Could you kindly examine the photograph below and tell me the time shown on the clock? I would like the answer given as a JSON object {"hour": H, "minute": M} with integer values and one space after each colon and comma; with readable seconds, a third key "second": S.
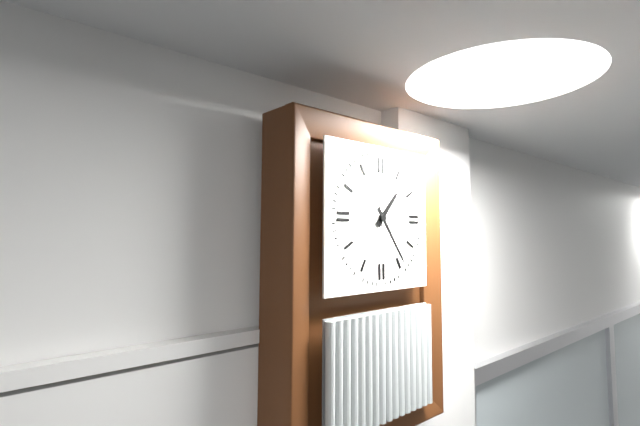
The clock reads {"hour": 1, "minute": 24}
